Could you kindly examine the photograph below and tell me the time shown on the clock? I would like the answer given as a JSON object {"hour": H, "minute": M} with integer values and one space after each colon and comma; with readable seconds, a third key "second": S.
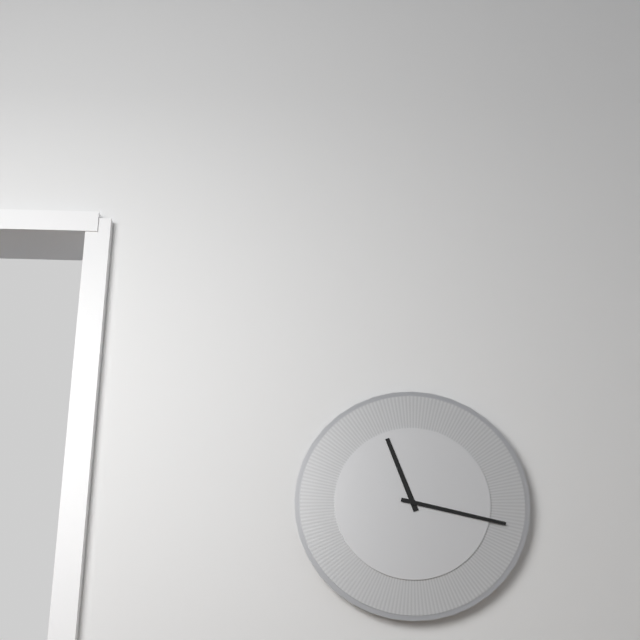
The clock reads {"hour": 11, "minute": 17}
